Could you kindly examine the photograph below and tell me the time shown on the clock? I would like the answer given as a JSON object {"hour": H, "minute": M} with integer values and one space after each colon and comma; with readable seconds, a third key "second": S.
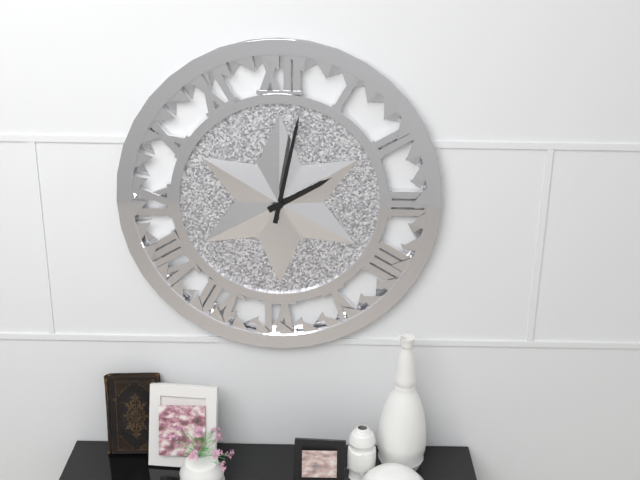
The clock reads {"hour": 2, "minute": 2}
